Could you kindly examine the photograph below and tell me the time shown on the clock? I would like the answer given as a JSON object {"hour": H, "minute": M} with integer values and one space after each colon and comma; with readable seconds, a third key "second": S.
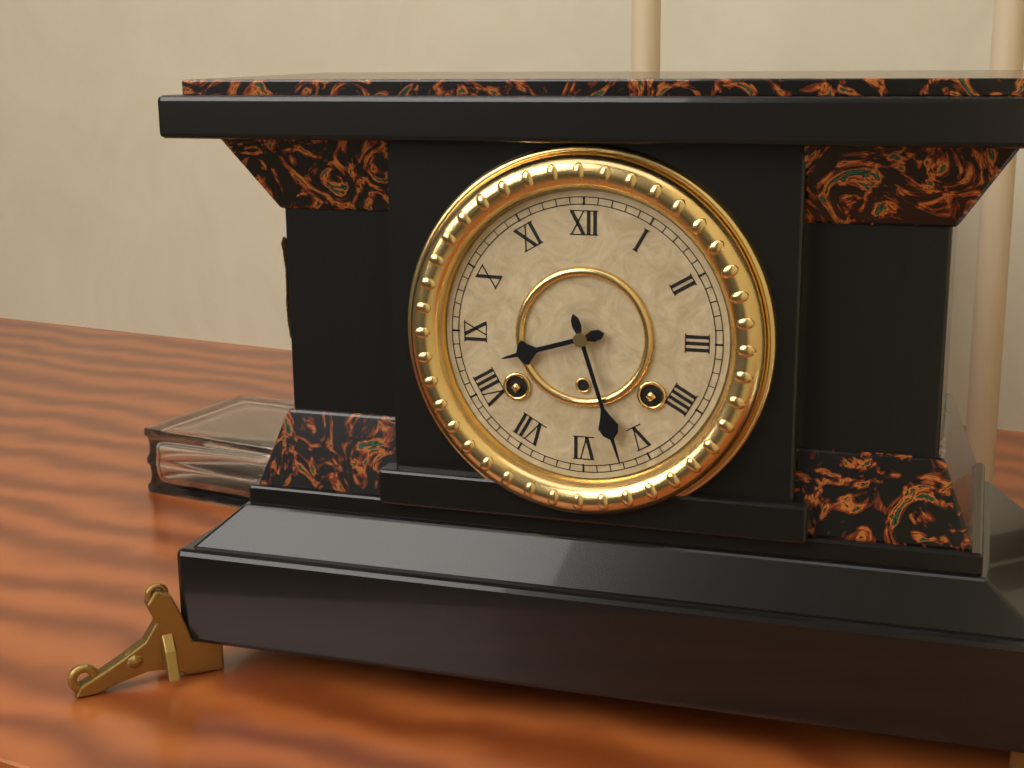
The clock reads {"hour": 8, "minute": 27}
